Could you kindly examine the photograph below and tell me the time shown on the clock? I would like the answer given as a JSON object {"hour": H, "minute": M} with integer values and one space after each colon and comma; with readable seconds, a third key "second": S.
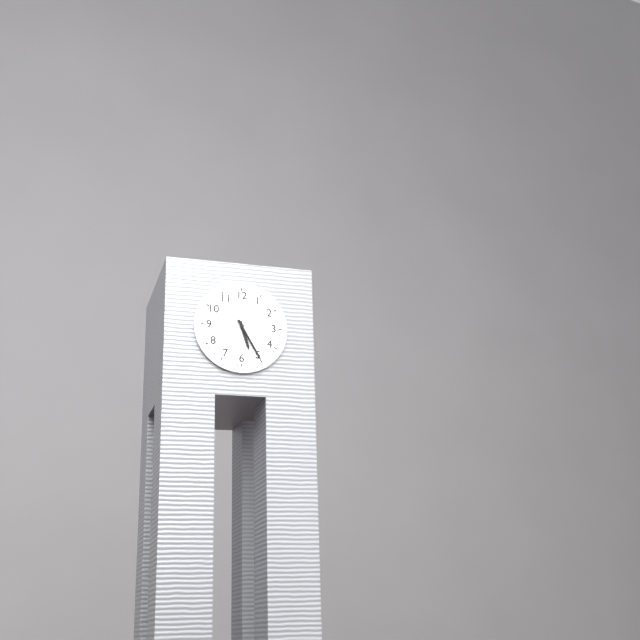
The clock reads {"hour": 5, "minute": 25}
